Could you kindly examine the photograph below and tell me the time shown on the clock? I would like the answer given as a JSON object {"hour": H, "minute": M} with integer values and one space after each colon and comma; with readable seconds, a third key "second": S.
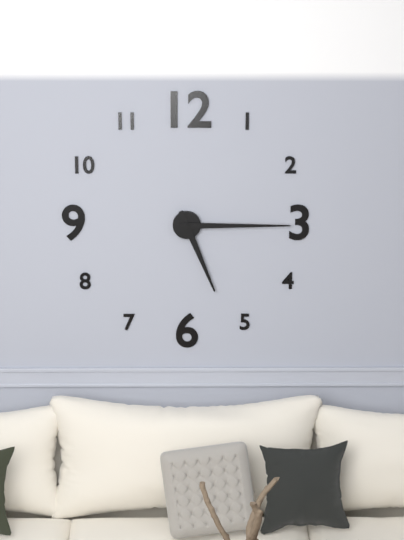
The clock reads {"hour": 5, "minute": 15}
